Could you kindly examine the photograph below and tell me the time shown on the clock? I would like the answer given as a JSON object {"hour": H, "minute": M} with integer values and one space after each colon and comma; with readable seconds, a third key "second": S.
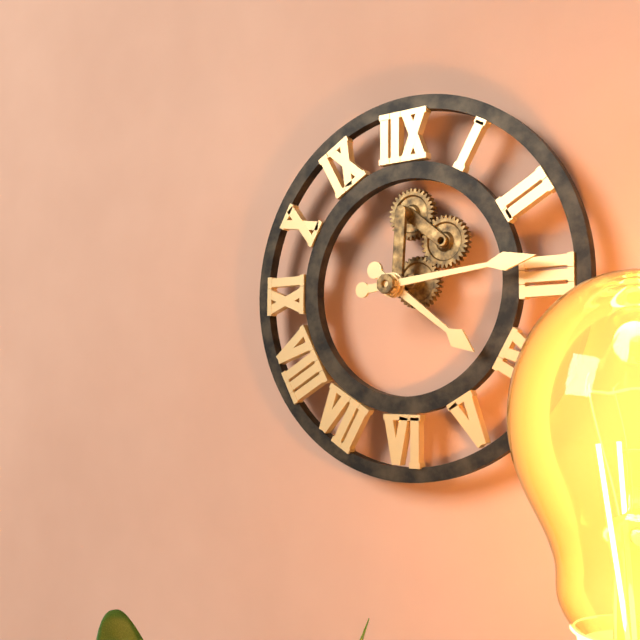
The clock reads {"hour": 4, "minute": 14}
